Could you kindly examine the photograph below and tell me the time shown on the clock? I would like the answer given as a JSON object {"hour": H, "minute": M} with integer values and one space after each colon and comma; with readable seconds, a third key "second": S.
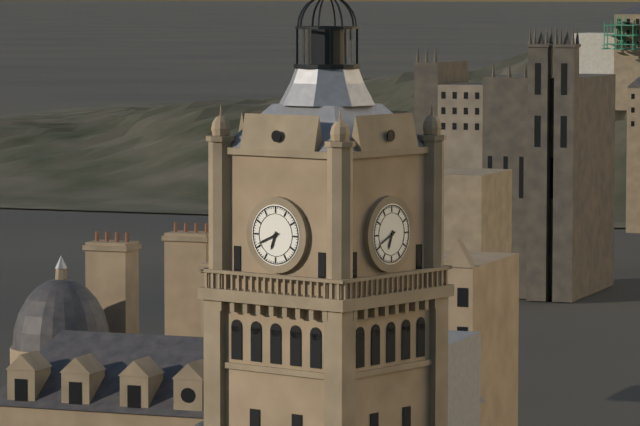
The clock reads {"hour": 6, "minute": 41}
